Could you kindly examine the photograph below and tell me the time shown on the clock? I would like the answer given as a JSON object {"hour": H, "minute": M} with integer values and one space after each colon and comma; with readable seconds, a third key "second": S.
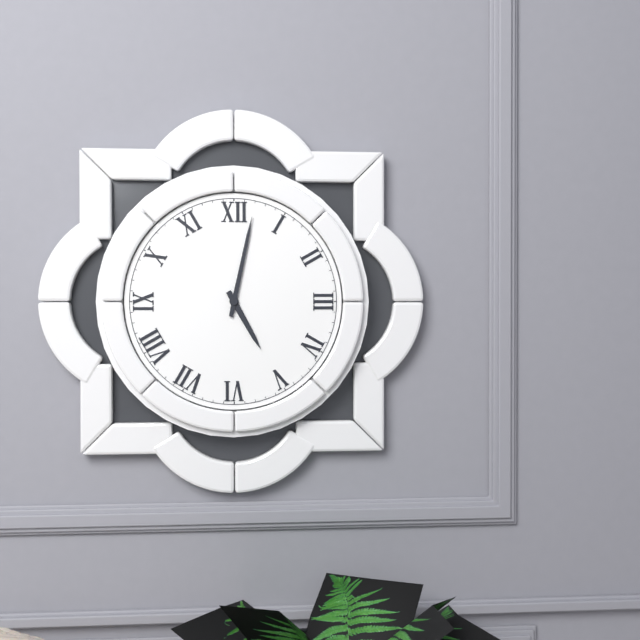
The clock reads {"hour": 5, "minute": 2}
